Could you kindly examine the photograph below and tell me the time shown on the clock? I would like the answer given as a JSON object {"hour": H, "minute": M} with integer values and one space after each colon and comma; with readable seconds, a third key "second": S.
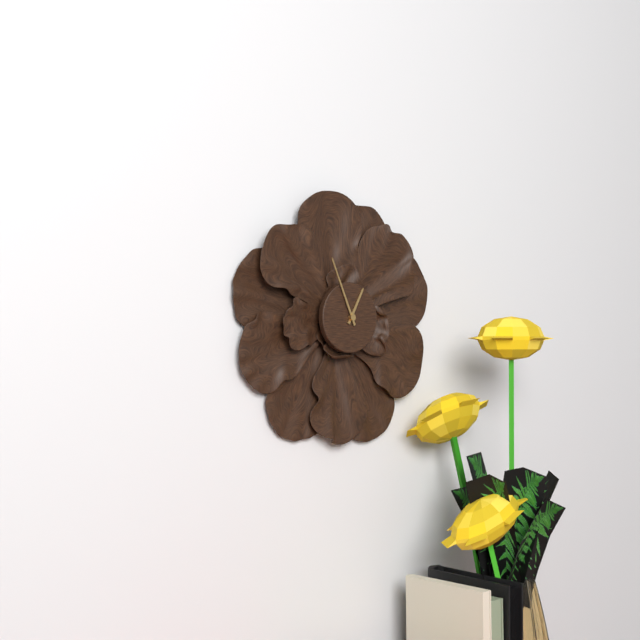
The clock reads {"hour": 12, "minute": 56}
